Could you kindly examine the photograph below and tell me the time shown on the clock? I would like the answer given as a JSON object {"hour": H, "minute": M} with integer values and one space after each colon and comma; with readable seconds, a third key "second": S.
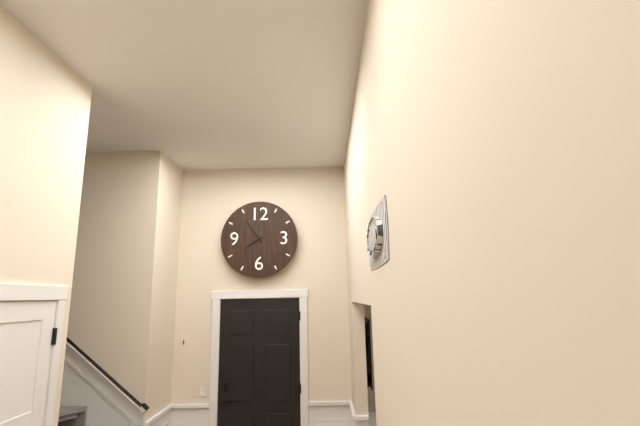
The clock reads {"hour": 7, "minute": 54}
